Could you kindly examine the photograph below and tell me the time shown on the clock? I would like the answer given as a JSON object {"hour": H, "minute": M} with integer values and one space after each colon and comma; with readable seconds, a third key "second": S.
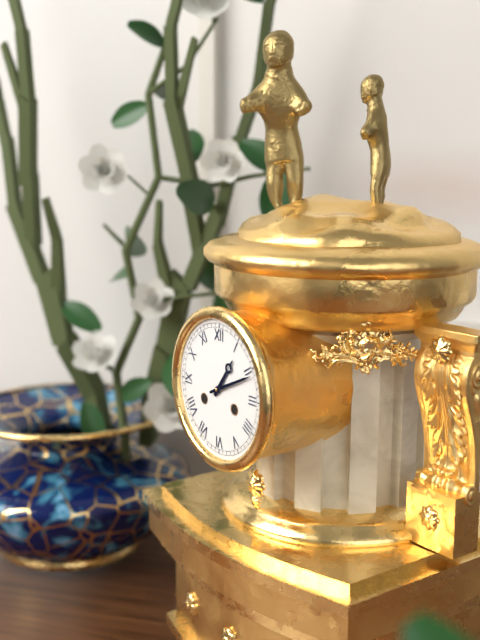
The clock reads {"hour": 1, "minute": 11}
